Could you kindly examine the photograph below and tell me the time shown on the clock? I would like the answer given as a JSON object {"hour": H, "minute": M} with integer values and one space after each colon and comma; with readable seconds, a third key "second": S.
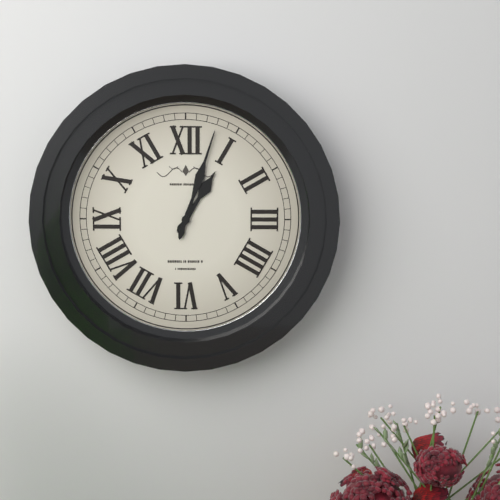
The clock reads {"hour": 1, "minute": 3}
